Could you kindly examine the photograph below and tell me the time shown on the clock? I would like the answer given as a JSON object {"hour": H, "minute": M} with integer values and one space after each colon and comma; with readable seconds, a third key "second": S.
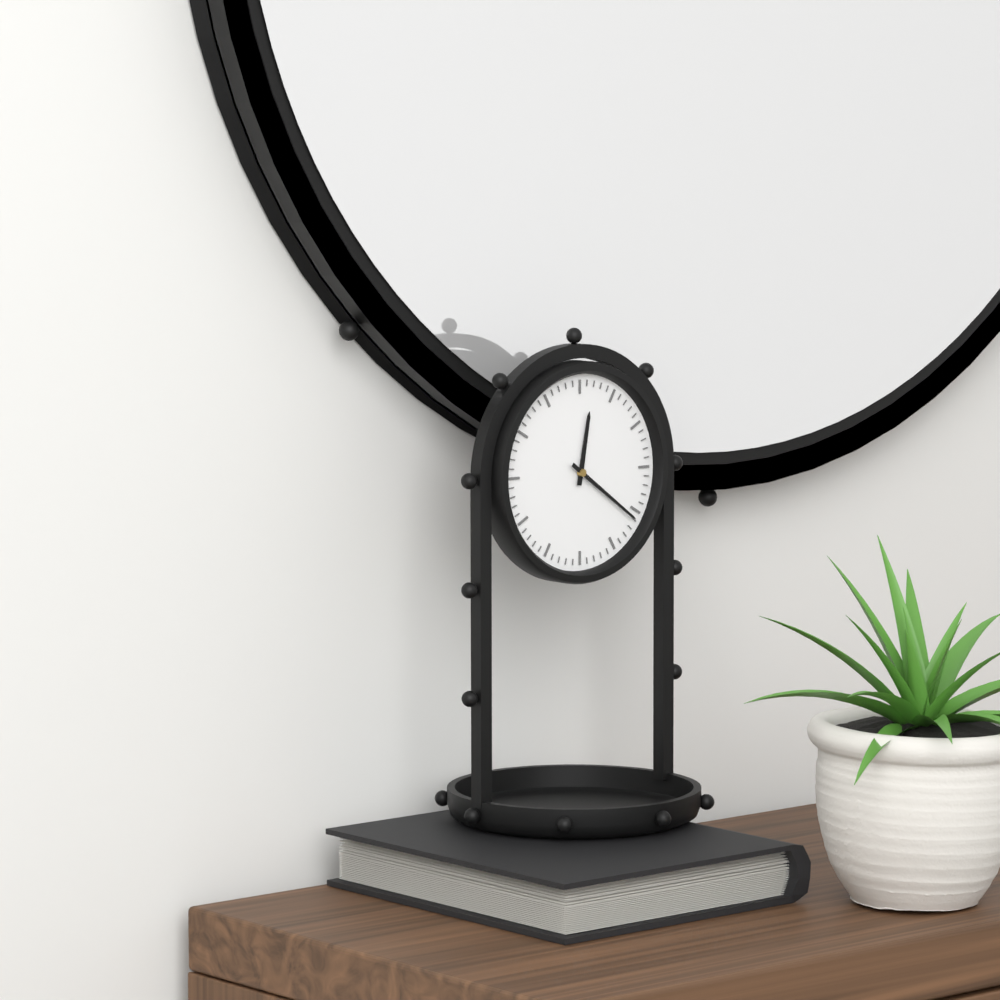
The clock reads {"hour": 12, "minute": 21}
